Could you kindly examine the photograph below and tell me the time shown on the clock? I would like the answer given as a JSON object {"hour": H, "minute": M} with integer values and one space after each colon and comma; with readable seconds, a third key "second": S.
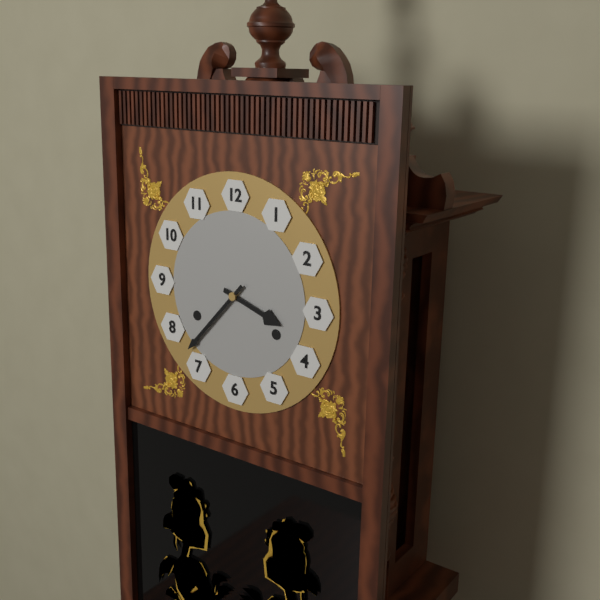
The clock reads {"hour": 3, "minute": 37}
